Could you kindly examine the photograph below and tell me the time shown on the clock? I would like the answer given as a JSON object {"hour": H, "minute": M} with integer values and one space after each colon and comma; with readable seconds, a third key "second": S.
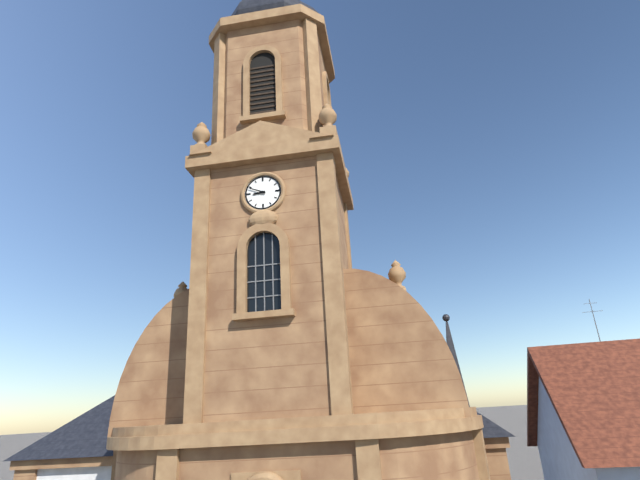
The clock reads {"hour": 8, "minute": 49}
